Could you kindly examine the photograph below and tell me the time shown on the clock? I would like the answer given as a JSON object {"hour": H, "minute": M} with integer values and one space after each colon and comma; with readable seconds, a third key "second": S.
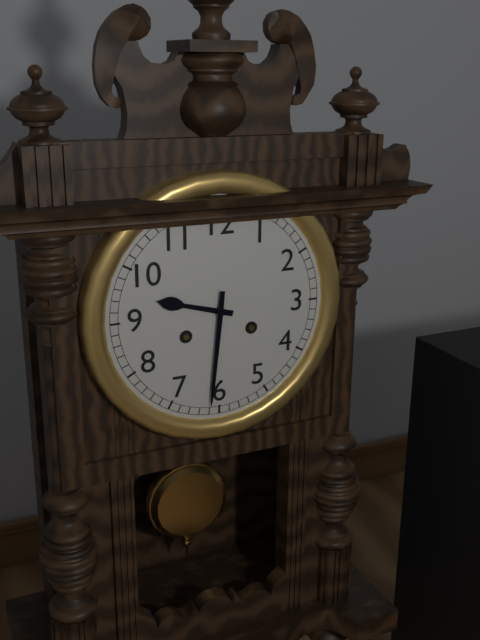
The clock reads {"hour": 9, "minute": 31}
